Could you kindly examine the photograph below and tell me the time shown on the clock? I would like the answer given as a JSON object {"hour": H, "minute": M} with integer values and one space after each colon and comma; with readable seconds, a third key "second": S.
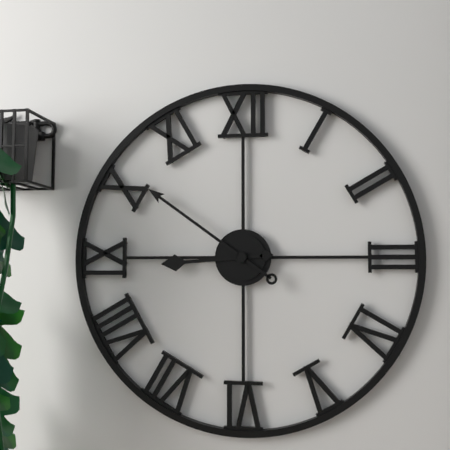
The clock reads {"hour": 8, "minute": 51}
